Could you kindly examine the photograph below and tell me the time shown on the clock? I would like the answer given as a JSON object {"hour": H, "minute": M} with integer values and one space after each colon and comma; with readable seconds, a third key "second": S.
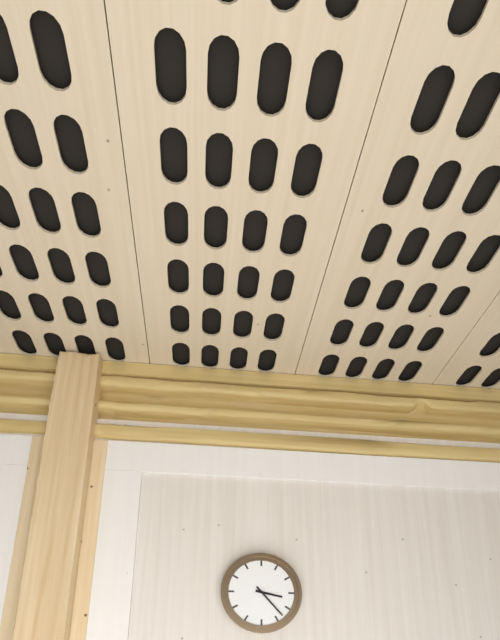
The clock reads {"hour": 3, "minute": 23}
